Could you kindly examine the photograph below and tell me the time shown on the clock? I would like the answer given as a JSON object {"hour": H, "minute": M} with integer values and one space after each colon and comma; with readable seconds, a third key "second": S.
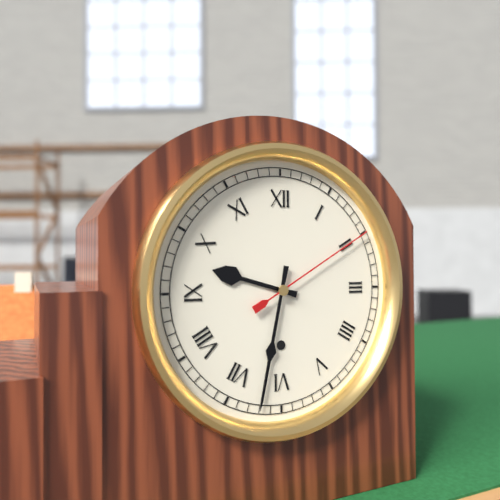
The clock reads {"hour": 9, "minute": 32, "second": 10}
